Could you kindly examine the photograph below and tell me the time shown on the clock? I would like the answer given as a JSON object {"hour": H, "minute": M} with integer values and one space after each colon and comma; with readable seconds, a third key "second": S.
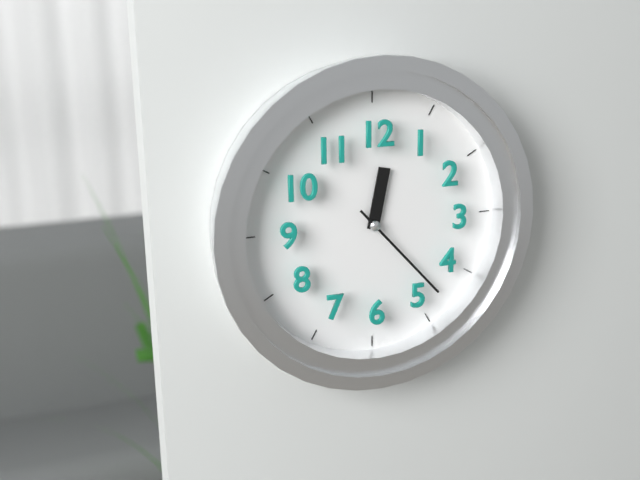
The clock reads {"hour": 12, "minute": 23}
